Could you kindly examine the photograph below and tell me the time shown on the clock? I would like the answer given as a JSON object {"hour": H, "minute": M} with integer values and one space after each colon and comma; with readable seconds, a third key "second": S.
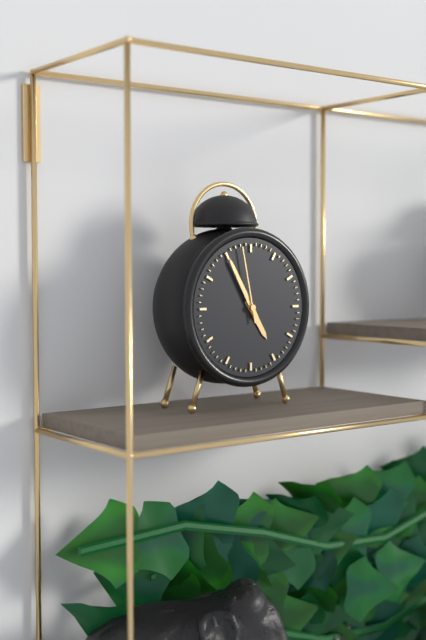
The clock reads {"hour": 4, "minute": 55, "second": 58}
